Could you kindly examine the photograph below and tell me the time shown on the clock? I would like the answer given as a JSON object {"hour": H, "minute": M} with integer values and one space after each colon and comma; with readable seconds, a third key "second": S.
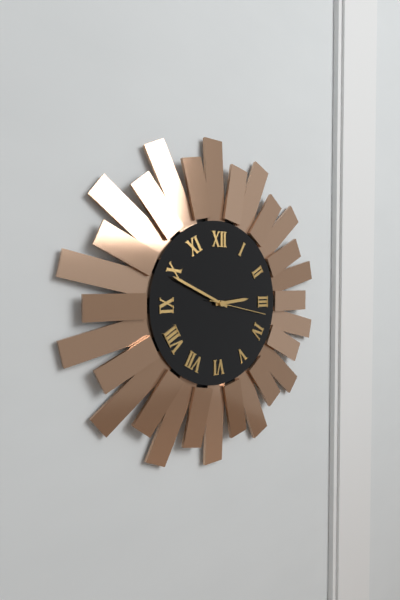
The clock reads {"hour": 2, "minute": 49, "second": 17}
